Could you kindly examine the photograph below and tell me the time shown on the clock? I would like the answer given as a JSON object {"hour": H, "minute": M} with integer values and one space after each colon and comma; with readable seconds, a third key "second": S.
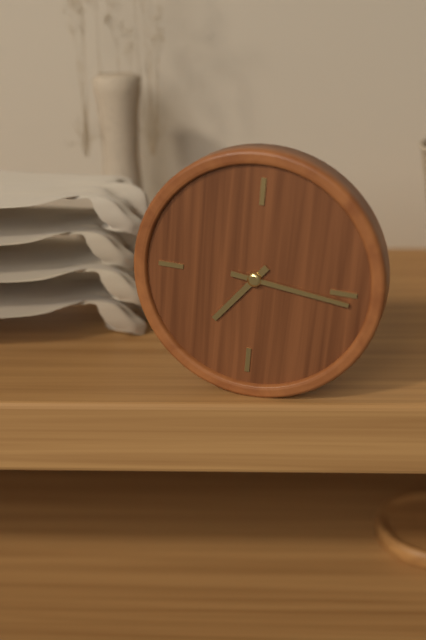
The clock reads {"hour": 7, "minute": 16}
